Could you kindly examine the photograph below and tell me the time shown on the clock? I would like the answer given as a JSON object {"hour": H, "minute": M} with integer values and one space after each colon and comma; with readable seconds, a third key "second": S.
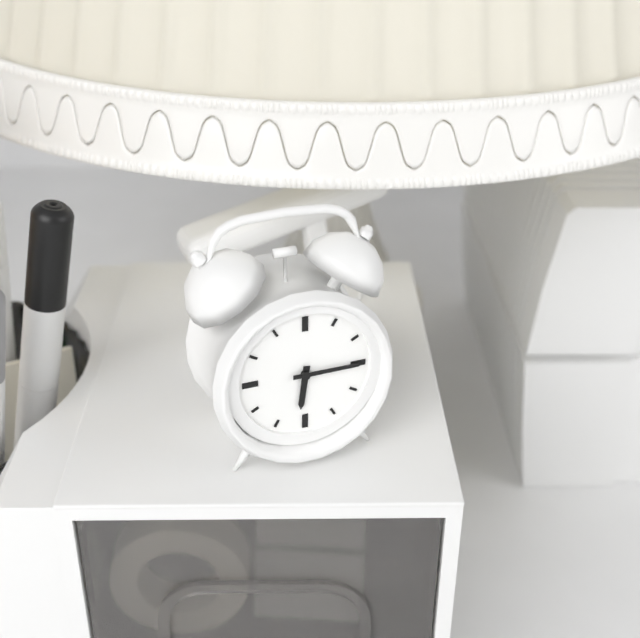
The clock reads {"hour": 6, "minute": 15}
